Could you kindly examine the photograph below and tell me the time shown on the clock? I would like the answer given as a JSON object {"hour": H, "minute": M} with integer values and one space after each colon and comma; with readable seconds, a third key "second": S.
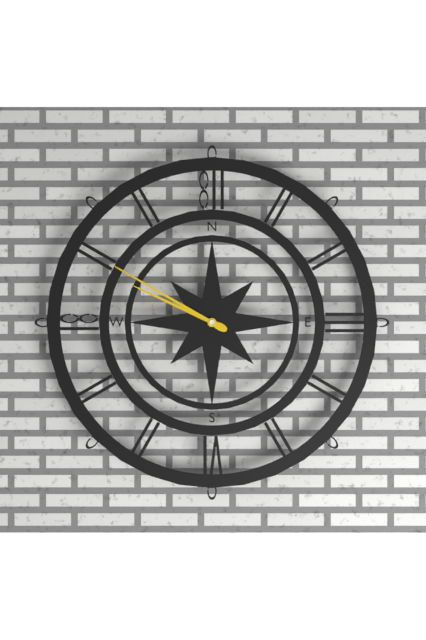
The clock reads {"hour": 9, "minute": 50}
